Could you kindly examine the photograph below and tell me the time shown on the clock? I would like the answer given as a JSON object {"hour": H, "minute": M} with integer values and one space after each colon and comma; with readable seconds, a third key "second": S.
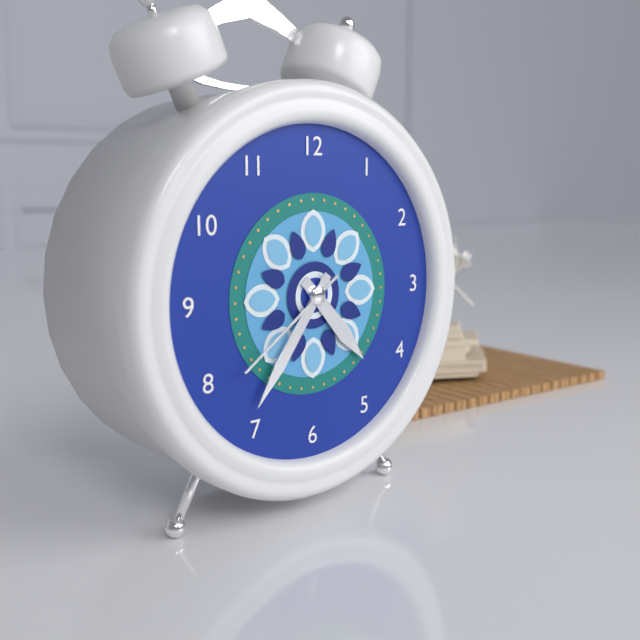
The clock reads {"hour": 4, "minute": 36, "second": 39}
